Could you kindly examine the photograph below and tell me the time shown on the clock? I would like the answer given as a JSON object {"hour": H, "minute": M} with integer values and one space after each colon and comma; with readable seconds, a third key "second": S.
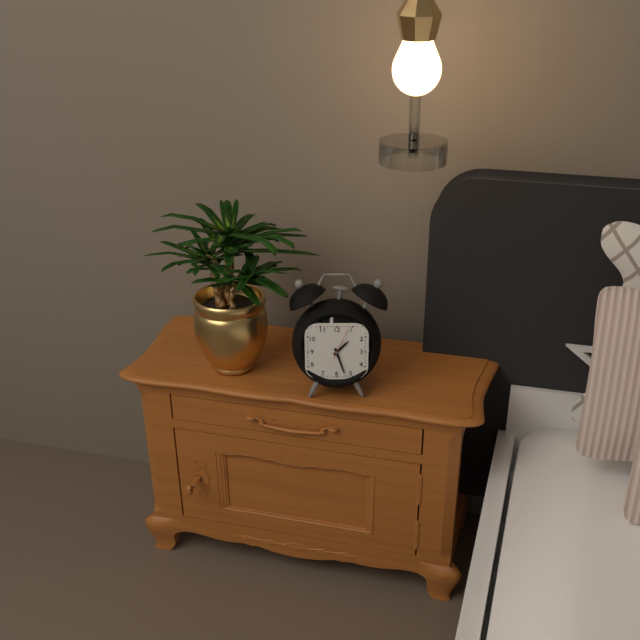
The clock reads {"hour": 1, "minute": 27}
